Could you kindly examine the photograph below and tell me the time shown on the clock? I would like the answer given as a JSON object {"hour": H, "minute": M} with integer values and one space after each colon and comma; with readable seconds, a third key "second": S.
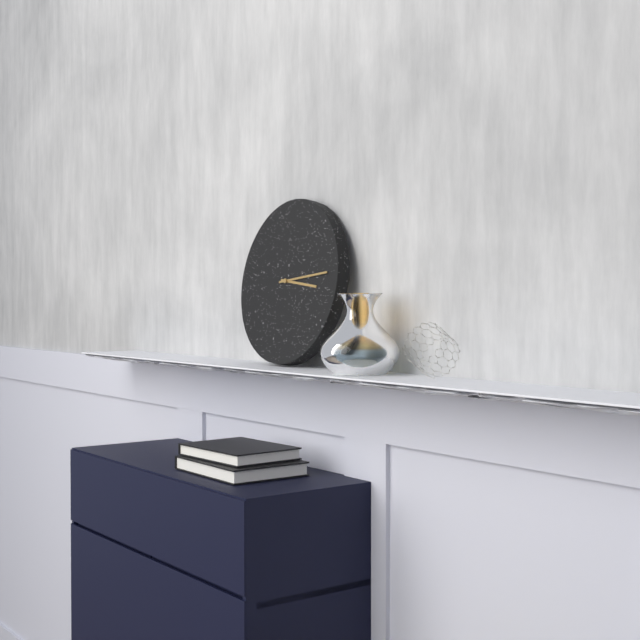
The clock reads {"hour": 3, "minute": 14}
